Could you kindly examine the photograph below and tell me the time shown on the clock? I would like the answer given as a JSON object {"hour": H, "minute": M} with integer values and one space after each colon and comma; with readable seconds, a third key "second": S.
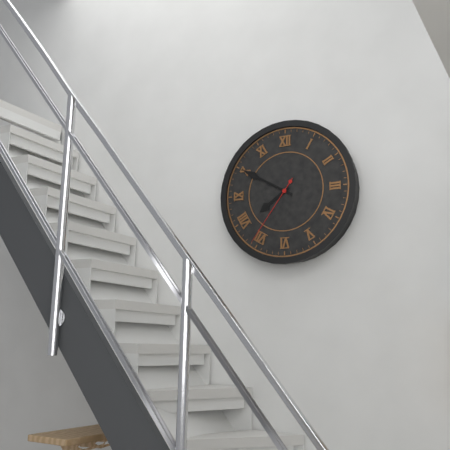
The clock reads {"hour": 7, "minute": 50, "second": 36}
